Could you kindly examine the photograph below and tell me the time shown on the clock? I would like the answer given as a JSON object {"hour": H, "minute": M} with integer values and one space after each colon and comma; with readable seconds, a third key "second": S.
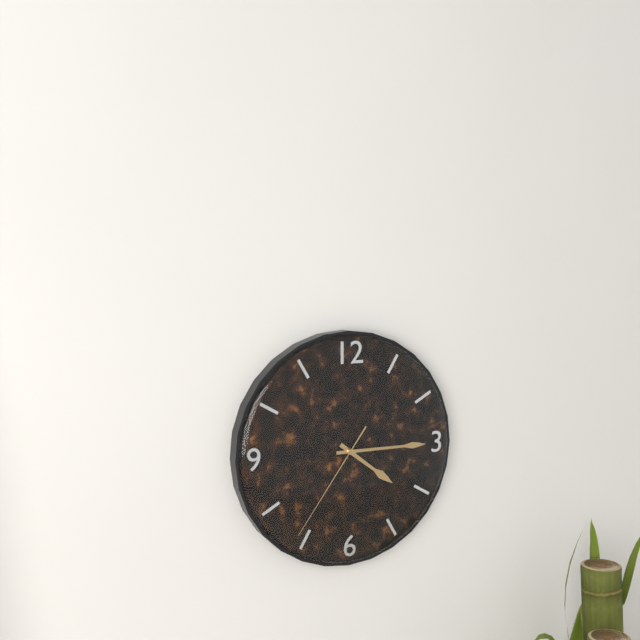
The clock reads {"hour": 4, "minute": 15, "second": 36}
